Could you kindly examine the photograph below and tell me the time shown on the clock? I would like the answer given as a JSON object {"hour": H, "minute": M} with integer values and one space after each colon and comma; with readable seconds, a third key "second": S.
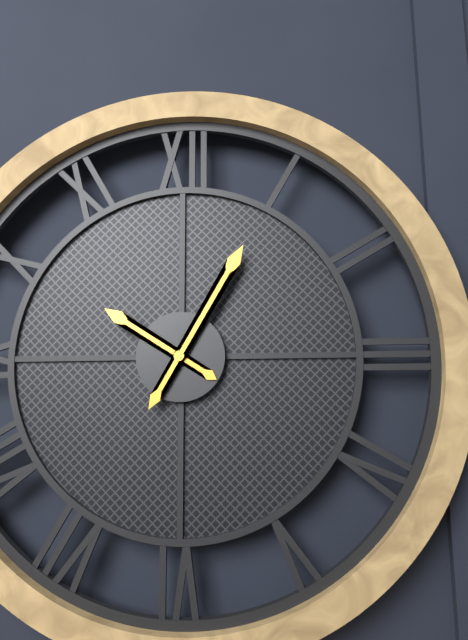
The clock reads {"hour": 10, "minute": 5}
